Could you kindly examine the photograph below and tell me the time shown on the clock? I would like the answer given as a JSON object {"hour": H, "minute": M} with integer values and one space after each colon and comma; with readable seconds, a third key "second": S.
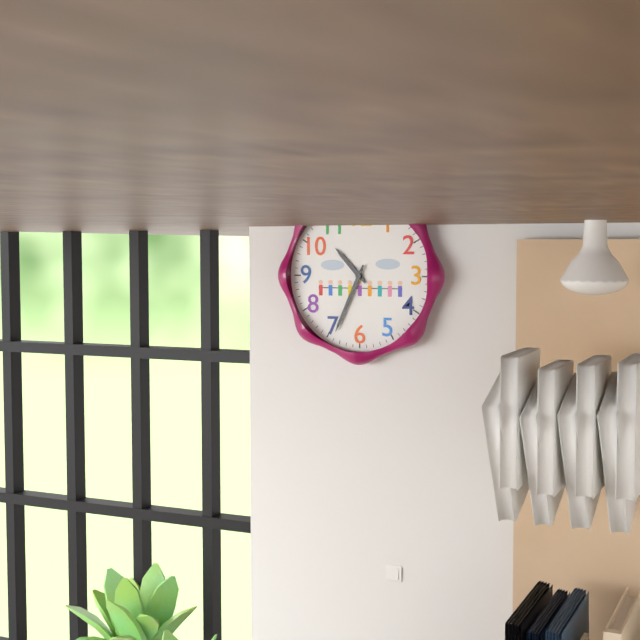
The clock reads {"hour": 10, "minute": 34}
